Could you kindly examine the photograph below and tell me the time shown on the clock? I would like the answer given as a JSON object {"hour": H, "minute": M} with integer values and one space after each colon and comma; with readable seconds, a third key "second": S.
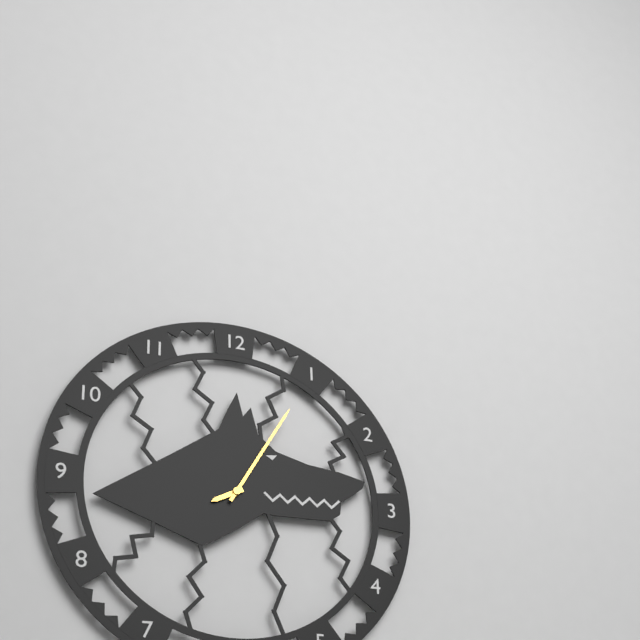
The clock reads {"hour": 8, "minute": 5}
